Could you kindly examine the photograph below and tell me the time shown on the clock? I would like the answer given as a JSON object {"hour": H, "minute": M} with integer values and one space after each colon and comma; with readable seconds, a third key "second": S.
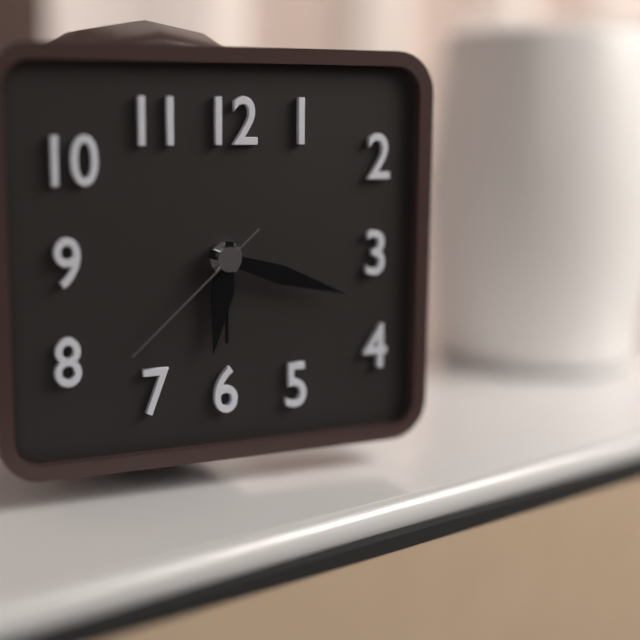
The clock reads {"hour": 6, "minute": 18, "second": 38}
